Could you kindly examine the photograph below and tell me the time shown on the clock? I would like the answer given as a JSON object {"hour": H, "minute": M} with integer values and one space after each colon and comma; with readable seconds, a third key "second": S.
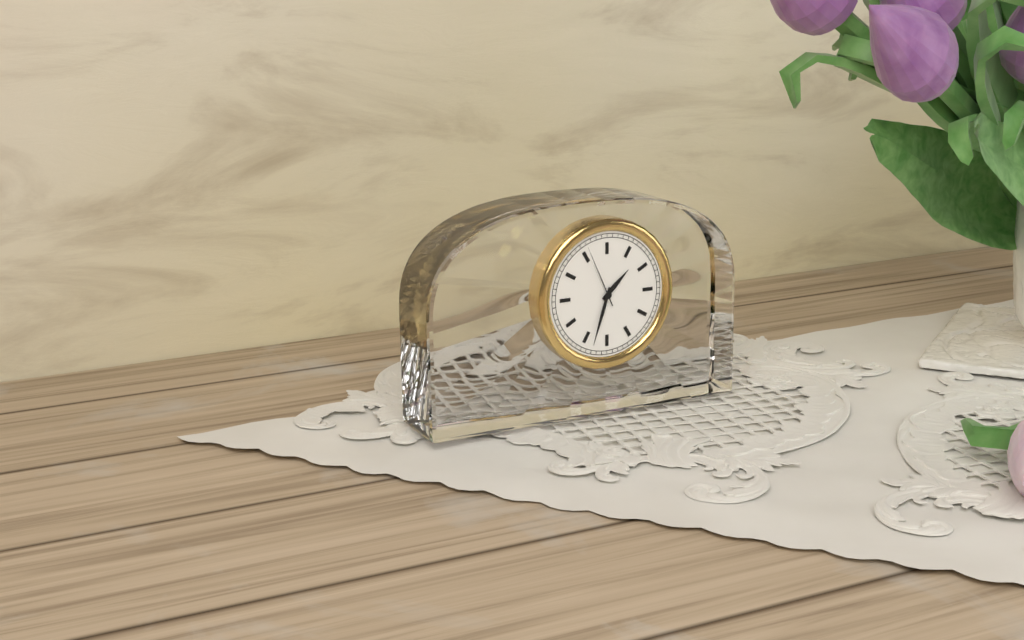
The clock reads {"hour": 1, "minute": 33, "second": 56}
